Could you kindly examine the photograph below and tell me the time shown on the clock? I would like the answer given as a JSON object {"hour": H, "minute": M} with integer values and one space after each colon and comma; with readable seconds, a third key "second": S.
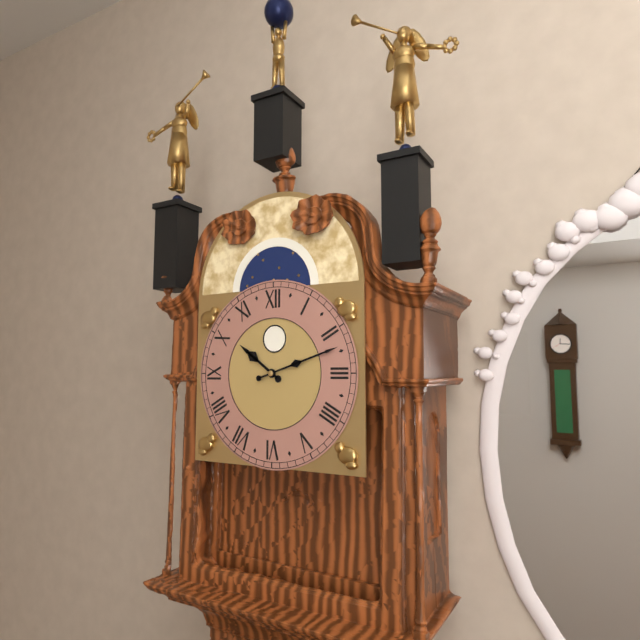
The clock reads {"hour": 10, "minute": 12}
